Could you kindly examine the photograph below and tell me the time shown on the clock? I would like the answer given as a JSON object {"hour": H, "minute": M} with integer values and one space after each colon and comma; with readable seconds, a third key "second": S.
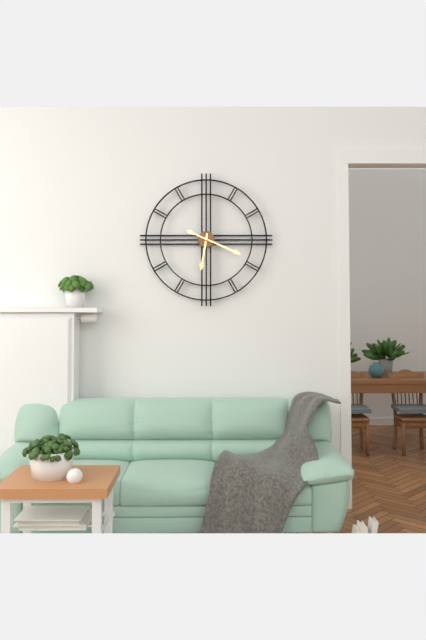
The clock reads {"hour": 6, "minute": 19}
